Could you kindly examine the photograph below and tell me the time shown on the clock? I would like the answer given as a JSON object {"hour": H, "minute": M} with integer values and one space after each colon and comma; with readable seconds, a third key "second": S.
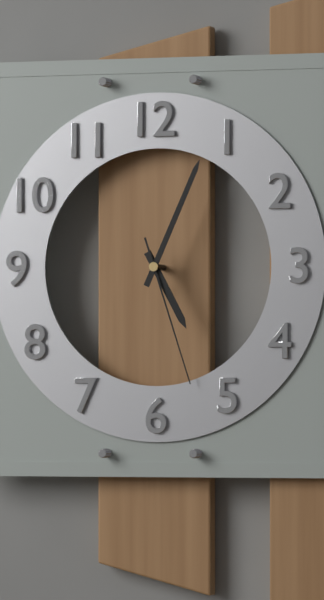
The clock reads {"hour": 5, "minute": 4, "second": 27}
